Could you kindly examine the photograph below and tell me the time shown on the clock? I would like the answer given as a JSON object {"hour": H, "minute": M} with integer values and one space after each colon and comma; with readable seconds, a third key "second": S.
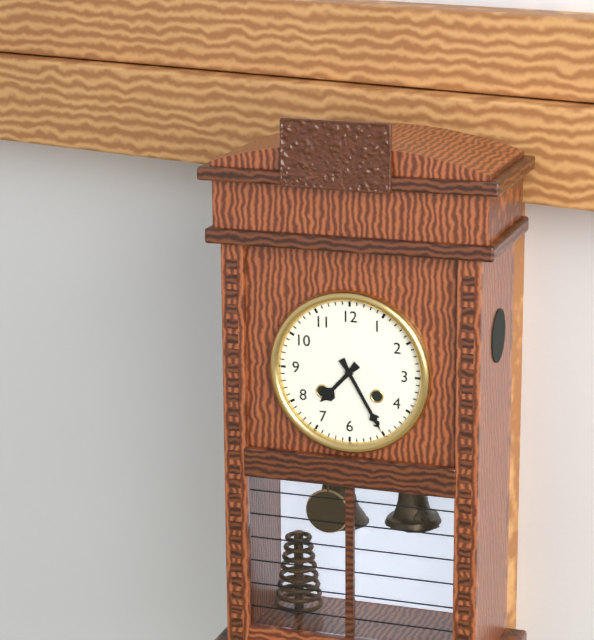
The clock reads {"hour": 7, "minute": 25}
